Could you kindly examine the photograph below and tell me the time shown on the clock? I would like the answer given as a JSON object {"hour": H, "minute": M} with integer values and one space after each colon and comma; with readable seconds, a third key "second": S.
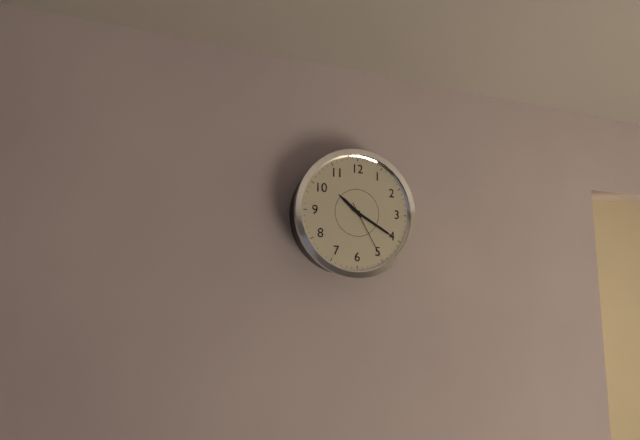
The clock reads {"hour": 10, "minute": 20, "second": 25}
